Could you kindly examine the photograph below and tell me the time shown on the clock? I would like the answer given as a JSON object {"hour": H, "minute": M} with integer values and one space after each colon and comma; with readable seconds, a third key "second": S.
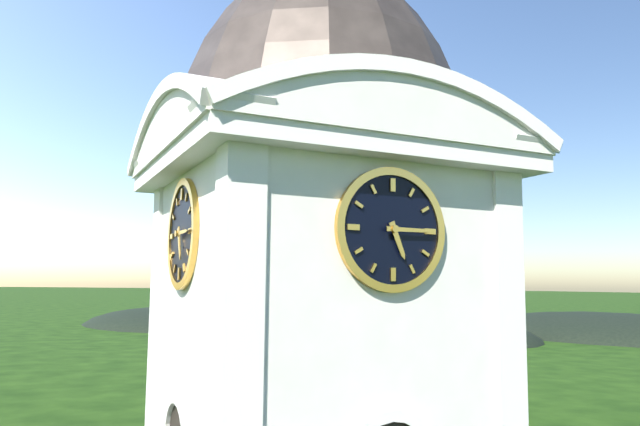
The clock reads {"hour": 5, "minute": 15}
